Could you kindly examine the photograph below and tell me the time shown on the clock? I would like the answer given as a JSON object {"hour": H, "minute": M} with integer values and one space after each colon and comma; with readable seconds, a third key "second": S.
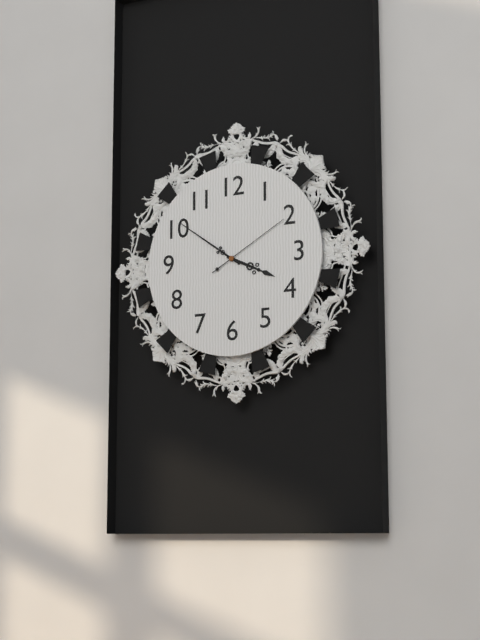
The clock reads {"hour": 3, "minute": 51, "second": 10}
